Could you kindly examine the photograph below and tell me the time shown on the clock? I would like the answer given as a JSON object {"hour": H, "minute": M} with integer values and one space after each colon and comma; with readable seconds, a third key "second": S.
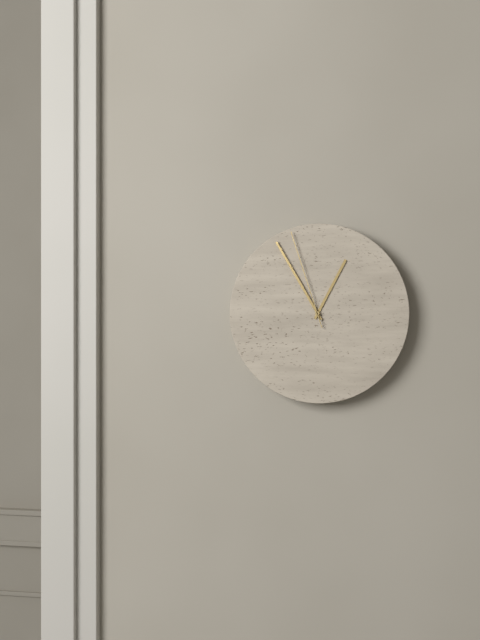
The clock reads {"hour": 12, "minute": 55, "second": 57}
